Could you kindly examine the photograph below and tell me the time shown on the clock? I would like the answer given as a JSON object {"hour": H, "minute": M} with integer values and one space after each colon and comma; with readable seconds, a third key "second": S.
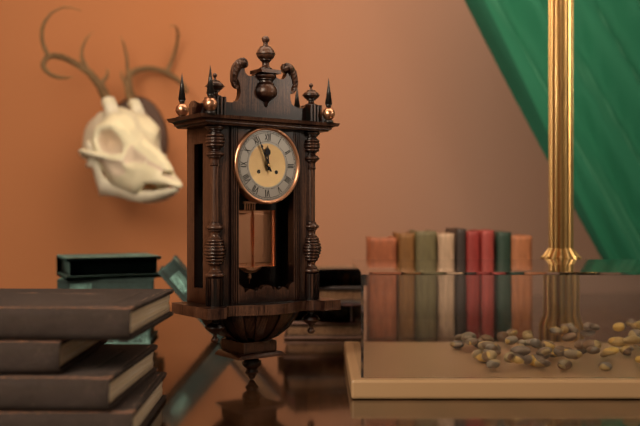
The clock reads {"hour": 11, "minute": 56}
